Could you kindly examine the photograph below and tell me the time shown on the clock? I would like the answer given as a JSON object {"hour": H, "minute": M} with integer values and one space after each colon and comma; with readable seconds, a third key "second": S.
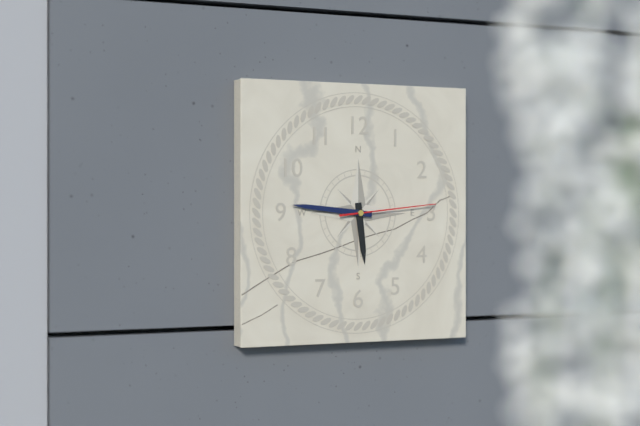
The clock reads {"hour": 5, "minute": 46, "second": 14}
